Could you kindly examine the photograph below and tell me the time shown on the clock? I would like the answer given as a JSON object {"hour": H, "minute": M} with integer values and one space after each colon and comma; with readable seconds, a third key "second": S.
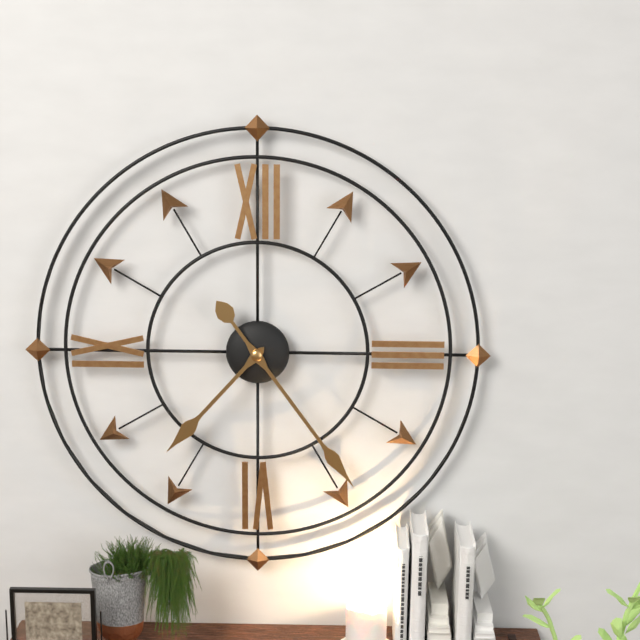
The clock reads {"hour": 7, "minute": 24}
